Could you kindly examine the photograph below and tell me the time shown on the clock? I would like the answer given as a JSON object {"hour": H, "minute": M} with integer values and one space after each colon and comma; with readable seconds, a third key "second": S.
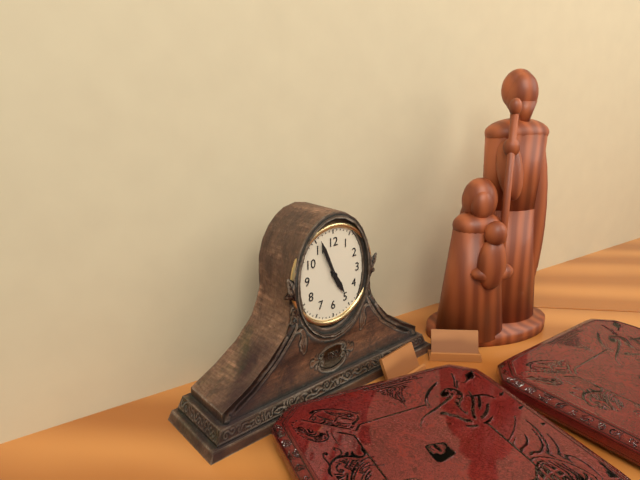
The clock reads {"hour": 4, "minute": 56}
